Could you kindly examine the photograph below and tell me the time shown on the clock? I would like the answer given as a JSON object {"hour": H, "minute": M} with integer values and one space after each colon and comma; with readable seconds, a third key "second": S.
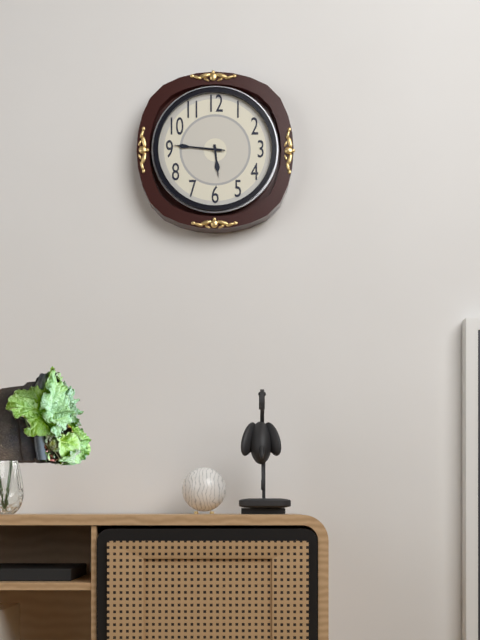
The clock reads {"hour": 5, "minute": 46, "second": 46}
